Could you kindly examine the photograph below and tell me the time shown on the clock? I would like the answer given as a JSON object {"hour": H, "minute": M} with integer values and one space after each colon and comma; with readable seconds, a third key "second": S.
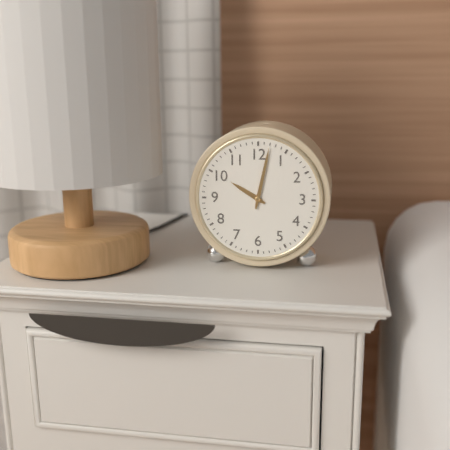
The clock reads {"hour": 10, "minute": 2}
